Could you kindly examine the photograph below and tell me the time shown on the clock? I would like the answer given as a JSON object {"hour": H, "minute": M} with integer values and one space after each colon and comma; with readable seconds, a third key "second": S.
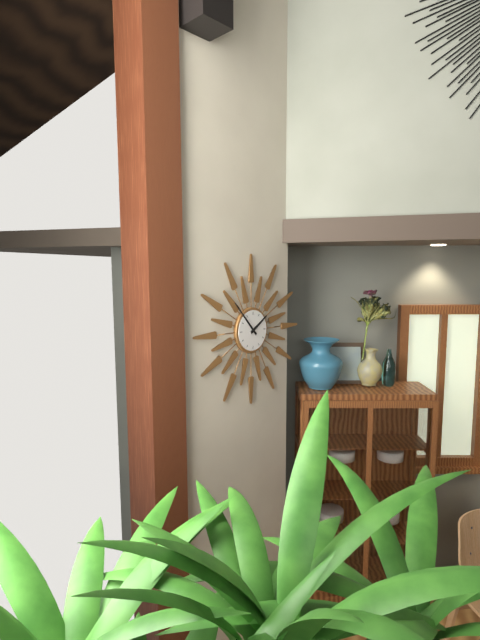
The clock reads {"hour": 1, "minute": 53}
